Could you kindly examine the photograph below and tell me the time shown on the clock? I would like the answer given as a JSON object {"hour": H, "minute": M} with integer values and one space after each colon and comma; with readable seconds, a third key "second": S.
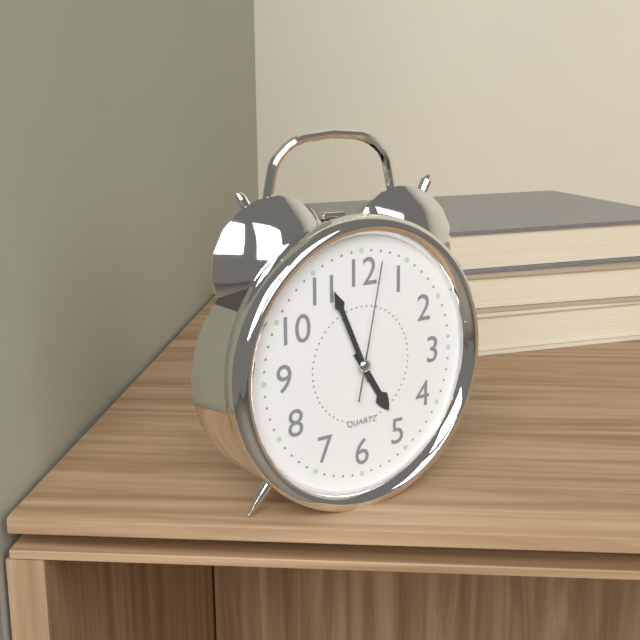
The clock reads {"hour": 4, "minute": 56, "second": 2}
